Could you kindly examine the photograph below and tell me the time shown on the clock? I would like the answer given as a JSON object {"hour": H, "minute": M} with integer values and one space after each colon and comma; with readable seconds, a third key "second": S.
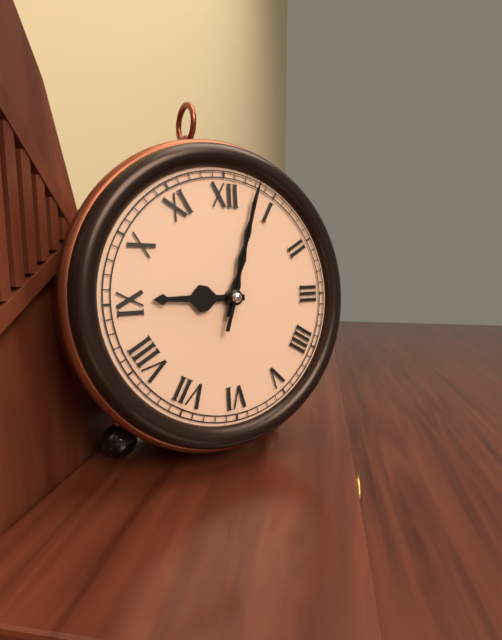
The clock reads {"hour": 9, "minute": 3, "second": 3}
